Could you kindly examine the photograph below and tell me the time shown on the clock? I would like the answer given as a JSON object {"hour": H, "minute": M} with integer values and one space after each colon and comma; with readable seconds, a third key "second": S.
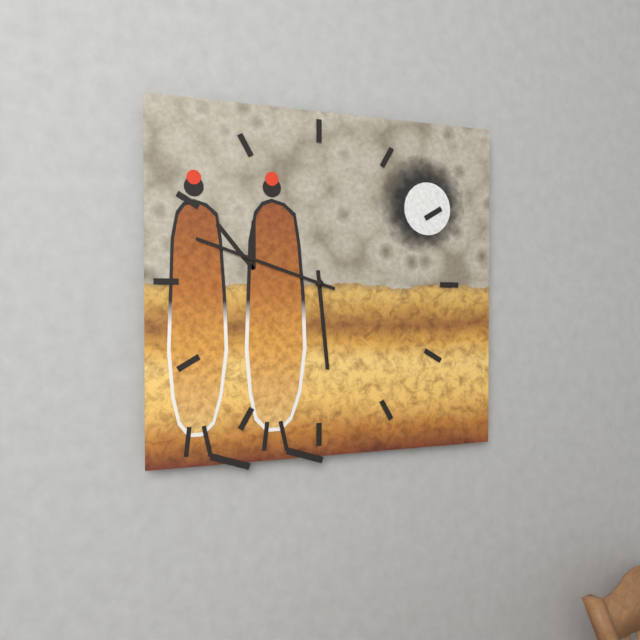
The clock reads {"hour": 5, "minute": 48}
